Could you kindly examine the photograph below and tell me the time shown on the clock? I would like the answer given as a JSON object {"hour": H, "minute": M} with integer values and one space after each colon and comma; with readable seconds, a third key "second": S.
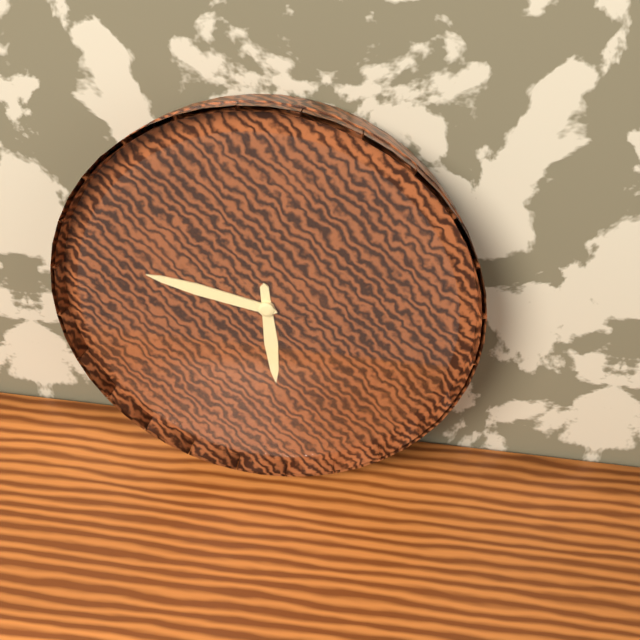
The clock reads {"hour": 5, "minute": 47}
